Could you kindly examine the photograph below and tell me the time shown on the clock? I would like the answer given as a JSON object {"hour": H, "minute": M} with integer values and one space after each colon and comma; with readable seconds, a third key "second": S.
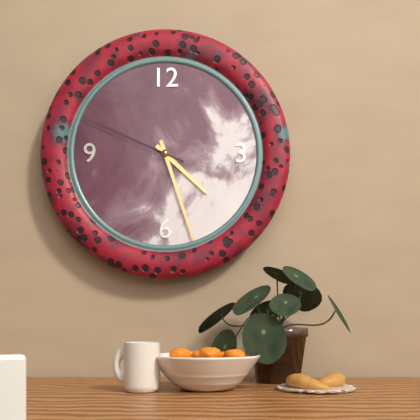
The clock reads {"hour": 4, "minute": 27, "second": 49}
